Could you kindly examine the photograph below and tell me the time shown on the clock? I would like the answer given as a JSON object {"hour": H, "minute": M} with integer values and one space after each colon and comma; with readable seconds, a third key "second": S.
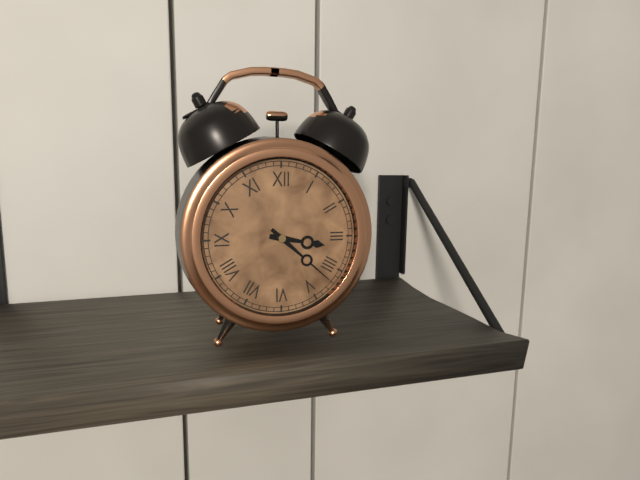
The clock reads {"hour": 3, "minute": 22}
